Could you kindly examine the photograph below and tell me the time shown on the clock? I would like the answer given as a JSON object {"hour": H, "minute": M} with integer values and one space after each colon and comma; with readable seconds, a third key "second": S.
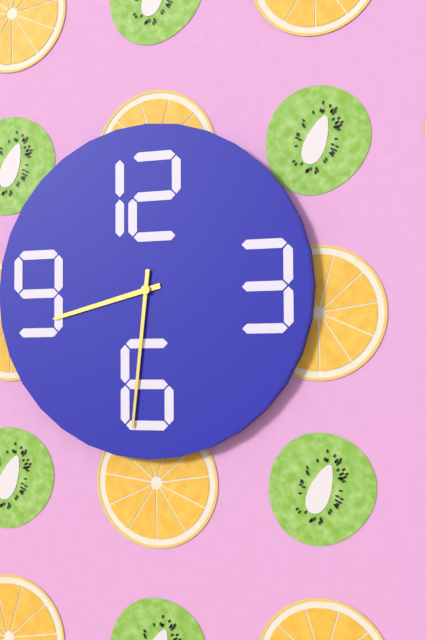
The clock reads {"hour": 8, "minute": 31}
